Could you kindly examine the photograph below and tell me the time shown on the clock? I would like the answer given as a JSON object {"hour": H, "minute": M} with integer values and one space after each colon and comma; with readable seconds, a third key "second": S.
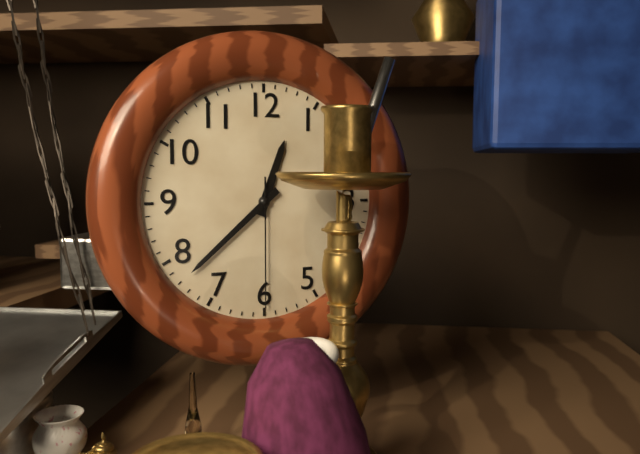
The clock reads {"hour": 12, "minute": 38, "second": 30}
